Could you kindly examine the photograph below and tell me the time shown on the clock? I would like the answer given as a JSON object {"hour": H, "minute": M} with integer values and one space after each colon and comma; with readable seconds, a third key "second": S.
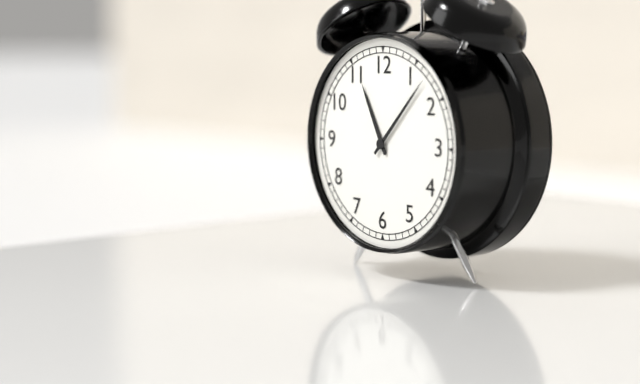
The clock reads {"hour": 11, "minute": 7}
